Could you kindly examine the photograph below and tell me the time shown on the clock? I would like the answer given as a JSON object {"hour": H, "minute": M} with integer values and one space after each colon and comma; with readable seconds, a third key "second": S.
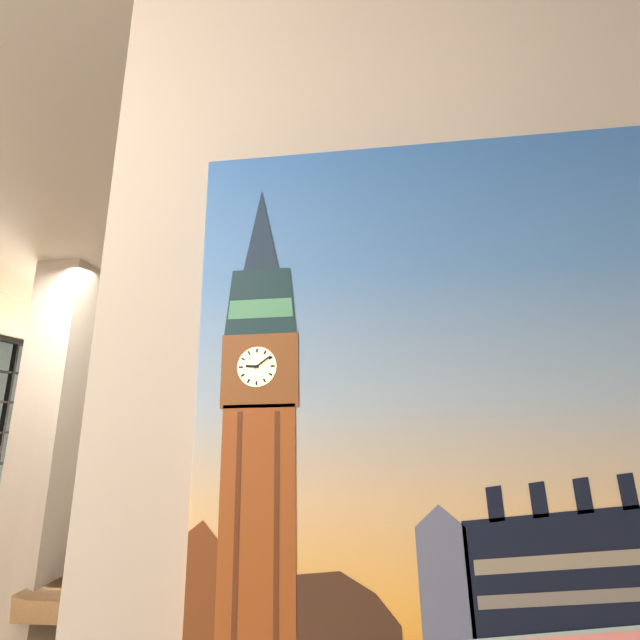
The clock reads {"hour": 9, "minute": 9}
